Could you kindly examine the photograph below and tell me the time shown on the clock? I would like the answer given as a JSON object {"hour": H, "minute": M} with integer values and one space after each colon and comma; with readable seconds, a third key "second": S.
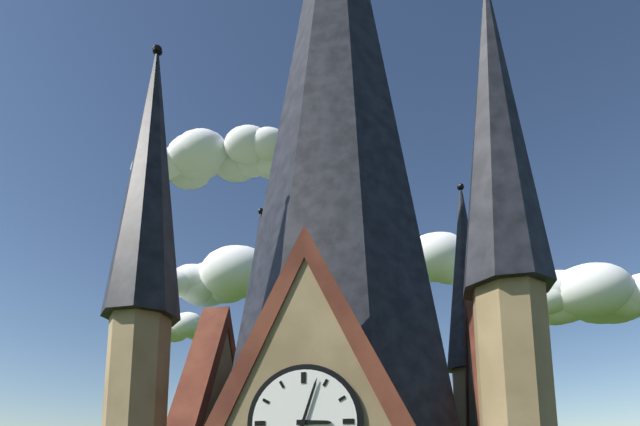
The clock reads {"hour": 3, "minute": 3}
